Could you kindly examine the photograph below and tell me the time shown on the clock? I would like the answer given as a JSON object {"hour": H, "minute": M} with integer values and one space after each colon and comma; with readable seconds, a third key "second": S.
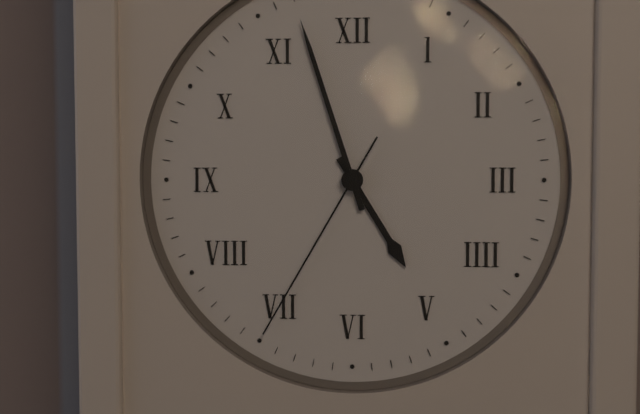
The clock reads {"hour": 4, "minute": 57, "second": 35}
